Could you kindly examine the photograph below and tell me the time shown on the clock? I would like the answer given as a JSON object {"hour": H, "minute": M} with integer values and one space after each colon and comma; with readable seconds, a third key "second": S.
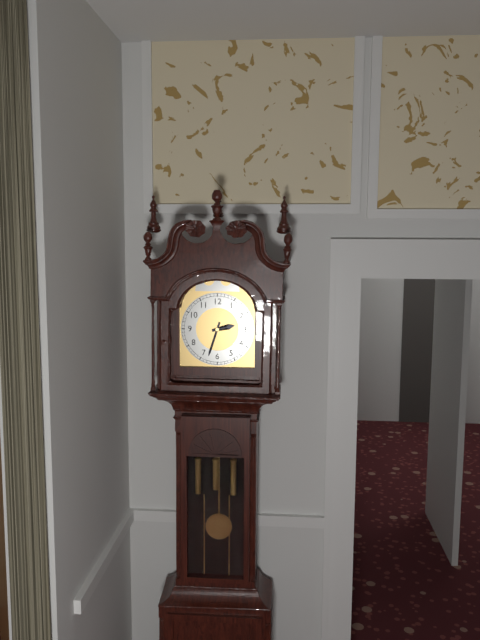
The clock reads {"hour": 2, "minute": 33}
